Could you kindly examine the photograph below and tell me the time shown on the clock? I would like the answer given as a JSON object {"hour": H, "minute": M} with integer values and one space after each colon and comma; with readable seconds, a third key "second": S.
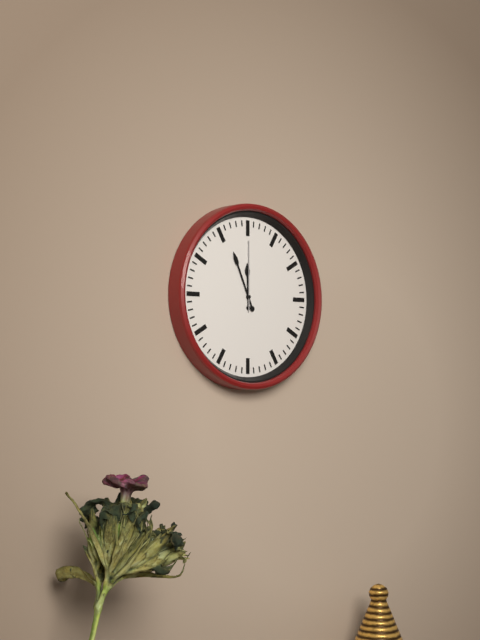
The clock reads {"hour": 11, "minute": 56, "second": 0}
